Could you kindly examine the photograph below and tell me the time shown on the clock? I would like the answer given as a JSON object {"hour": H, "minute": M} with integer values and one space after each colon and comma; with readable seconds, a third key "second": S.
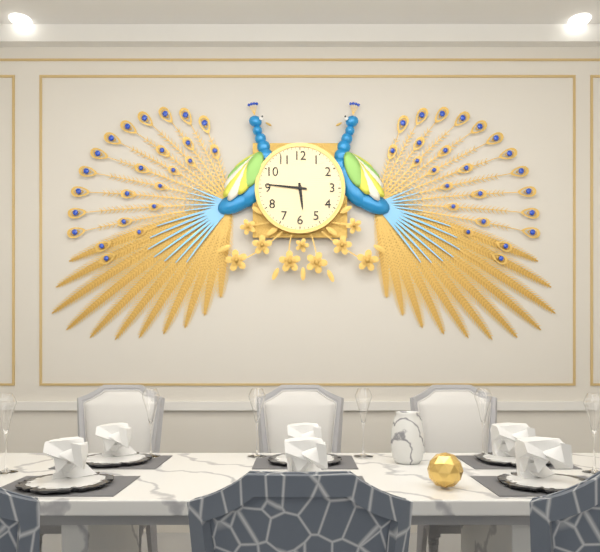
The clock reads {"hour": 5, "minute": 46}
